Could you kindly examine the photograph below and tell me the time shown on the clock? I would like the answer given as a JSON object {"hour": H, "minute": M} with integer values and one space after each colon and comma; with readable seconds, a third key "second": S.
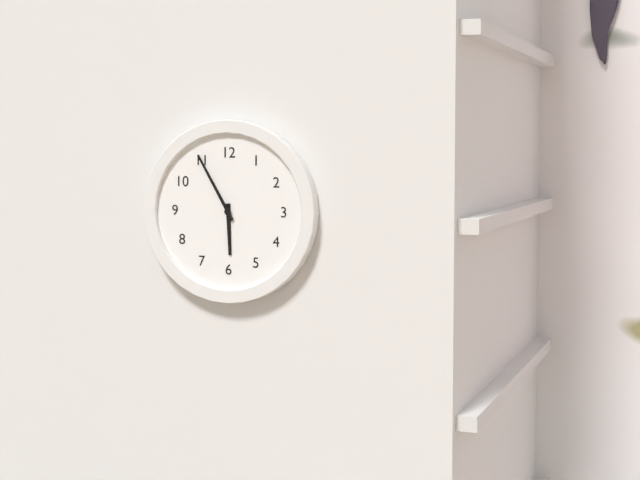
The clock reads {"hour": 5, "minute": 55}
